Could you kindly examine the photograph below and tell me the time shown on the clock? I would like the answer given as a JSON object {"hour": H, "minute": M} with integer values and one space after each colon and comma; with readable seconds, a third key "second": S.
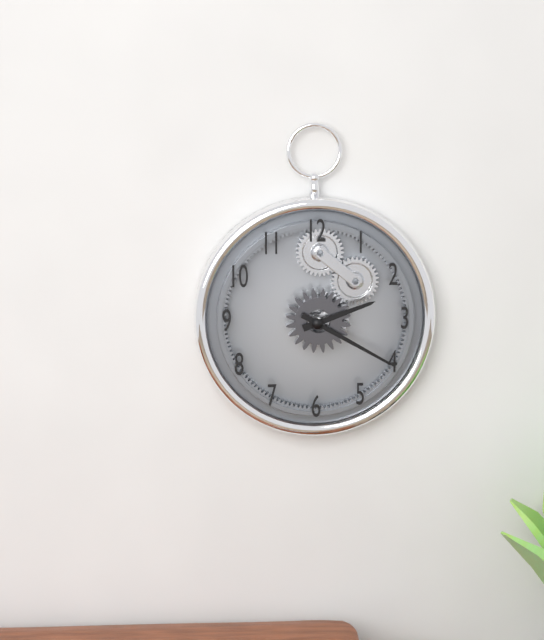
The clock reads {"hour": 2, "minute": 20}
